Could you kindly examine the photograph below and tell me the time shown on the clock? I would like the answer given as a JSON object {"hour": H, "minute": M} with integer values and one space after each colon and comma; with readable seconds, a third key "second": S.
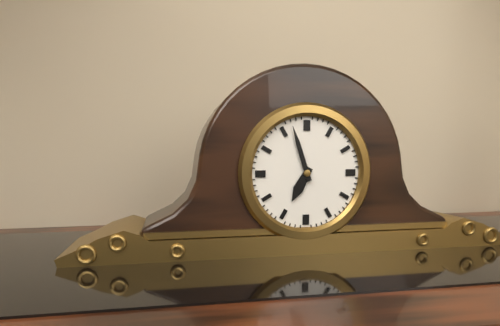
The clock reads {"hour": 6, "minute": 57}
